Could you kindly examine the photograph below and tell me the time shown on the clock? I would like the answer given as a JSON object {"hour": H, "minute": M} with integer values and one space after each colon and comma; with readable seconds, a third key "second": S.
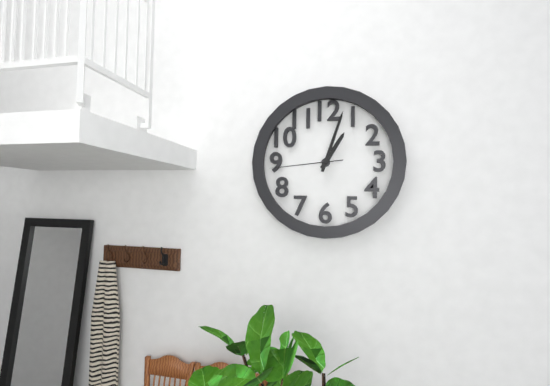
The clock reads {"hour": 1, "minute": 3, "second": 44}
